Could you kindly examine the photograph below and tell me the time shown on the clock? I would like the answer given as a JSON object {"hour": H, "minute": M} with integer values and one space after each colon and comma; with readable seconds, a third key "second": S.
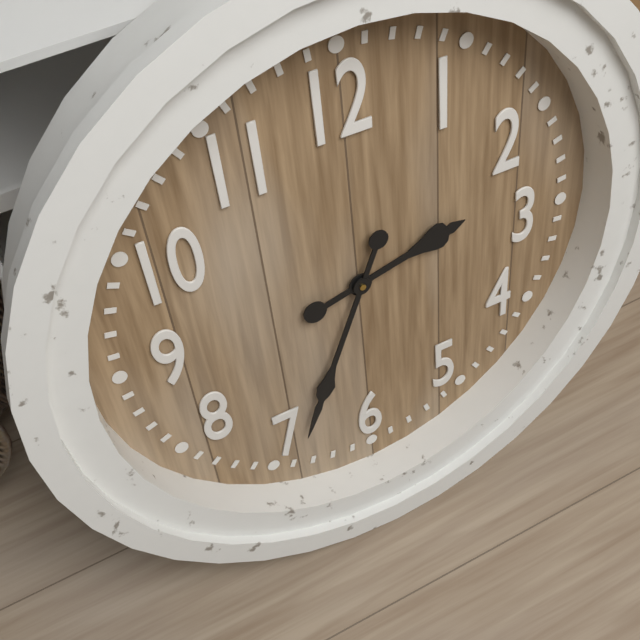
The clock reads {"hour": 2, "minute": 34}
